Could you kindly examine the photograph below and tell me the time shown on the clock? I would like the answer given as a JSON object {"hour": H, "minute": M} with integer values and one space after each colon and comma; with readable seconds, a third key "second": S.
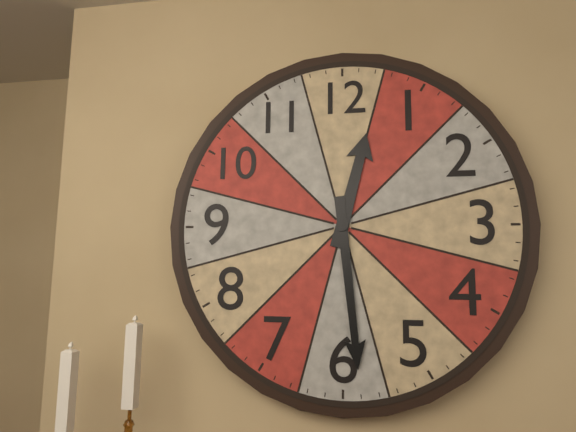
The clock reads {"hour": 12, "minute": 29}
